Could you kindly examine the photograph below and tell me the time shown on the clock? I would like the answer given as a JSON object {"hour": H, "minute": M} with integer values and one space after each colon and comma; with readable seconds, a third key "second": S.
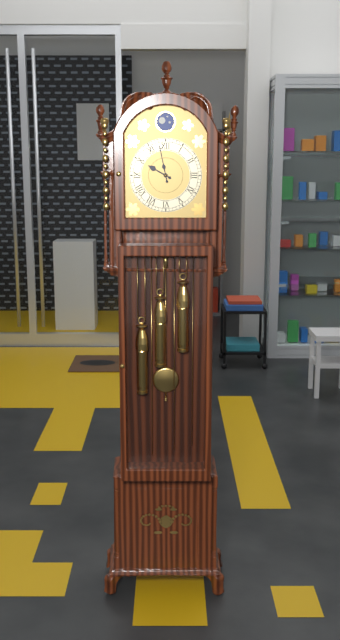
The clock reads {"hour": 9, "minute": 58}
